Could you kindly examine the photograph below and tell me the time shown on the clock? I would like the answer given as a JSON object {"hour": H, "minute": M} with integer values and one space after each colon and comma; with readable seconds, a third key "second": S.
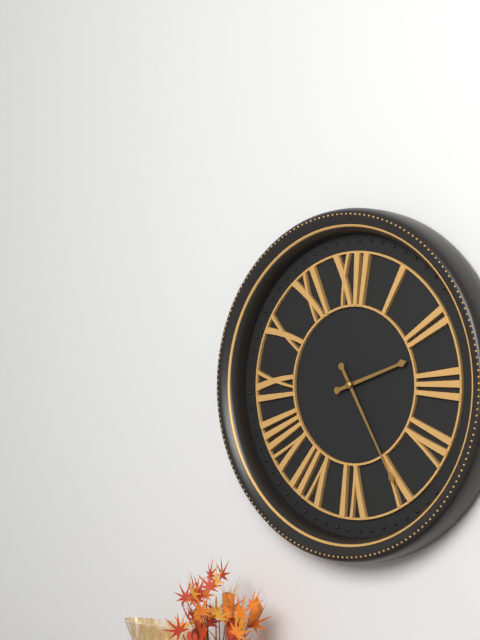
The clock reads {"hour": 2, "minute": 25}
